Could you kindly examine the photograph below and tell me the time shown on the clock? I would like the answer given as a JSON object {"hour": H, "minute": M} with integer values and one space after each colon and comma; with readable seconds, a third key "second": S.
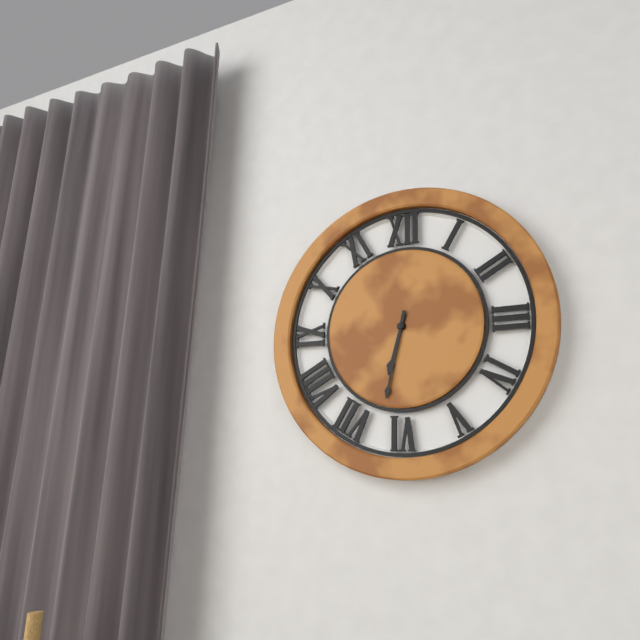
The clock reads {"hour": 6, "minute": 32}
